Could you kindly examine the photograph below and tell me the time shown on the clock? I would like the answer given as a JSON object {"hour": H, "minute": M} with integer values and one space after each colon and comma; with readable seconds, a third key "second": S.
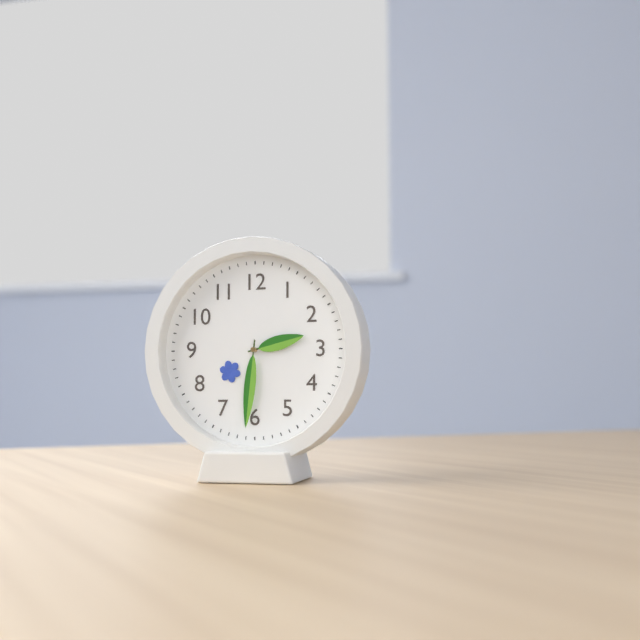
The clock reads {"hour": 2, "minute": 31}
